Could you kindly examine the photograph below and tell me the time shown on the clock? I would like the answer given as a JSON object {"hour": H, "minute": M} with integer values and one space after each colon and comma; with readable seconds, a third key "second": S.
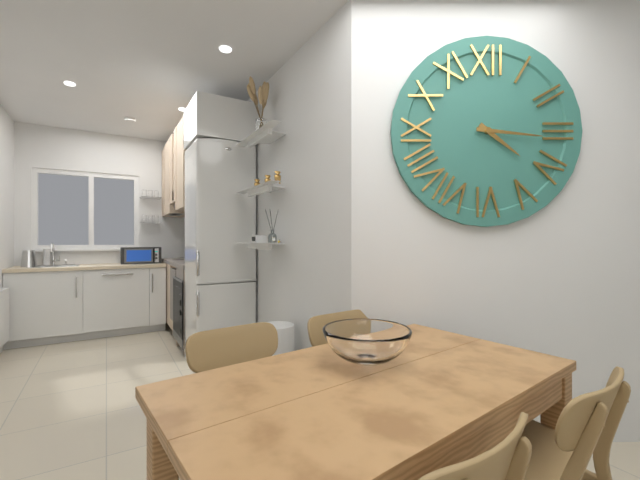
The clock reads {"hour": 4, "minute": 16}
